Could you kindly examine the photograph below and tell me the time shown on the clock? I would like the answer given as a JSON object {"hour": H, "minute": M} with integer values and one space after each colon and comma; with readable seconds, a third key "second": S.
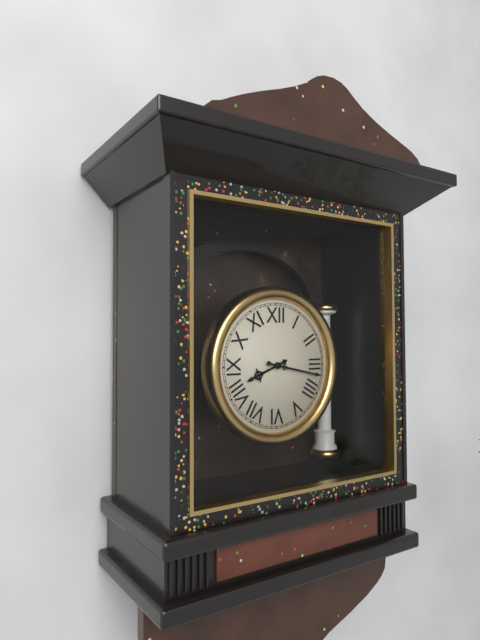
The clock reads {"hour": 8, "minute": 17}
